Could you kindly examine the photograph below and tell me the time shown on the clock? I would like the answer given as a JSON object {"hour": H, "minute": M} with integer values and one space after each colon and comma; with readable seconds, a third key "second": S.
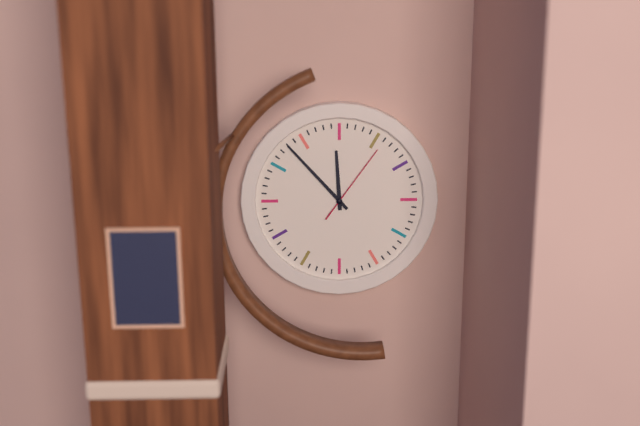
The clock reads {"hour": 11, "minute": 53, "second": 6}
